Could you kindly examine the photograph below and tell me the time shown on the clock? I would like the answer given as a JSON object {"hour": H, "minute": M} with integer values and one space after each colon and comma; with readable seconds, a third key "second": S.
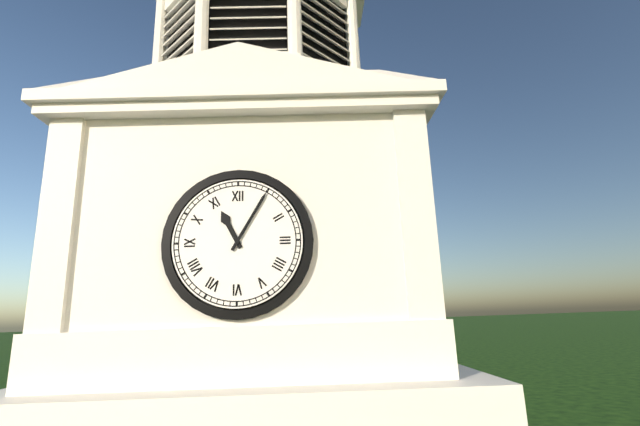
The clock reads {"hour": 11, "minute": 5}
